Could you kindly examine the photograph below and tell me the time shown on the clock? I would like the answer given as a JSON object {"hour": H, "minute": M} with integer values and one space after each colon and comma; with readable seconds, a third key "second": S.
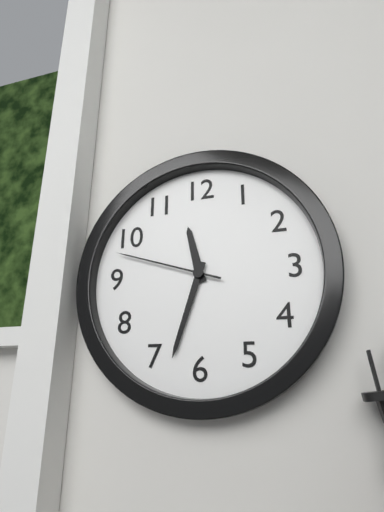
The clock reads {"hour": 11, "minute": 33, "second": 48}
